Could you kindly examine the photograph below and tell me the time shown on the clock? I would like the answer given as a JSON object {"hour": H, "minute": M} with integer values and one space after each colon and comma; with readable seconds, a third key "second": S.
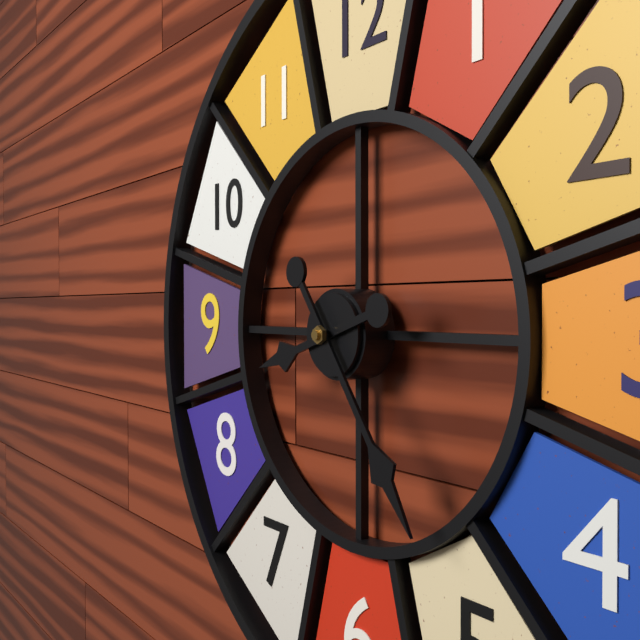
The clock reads {"hour": 8, "minute": 24}
